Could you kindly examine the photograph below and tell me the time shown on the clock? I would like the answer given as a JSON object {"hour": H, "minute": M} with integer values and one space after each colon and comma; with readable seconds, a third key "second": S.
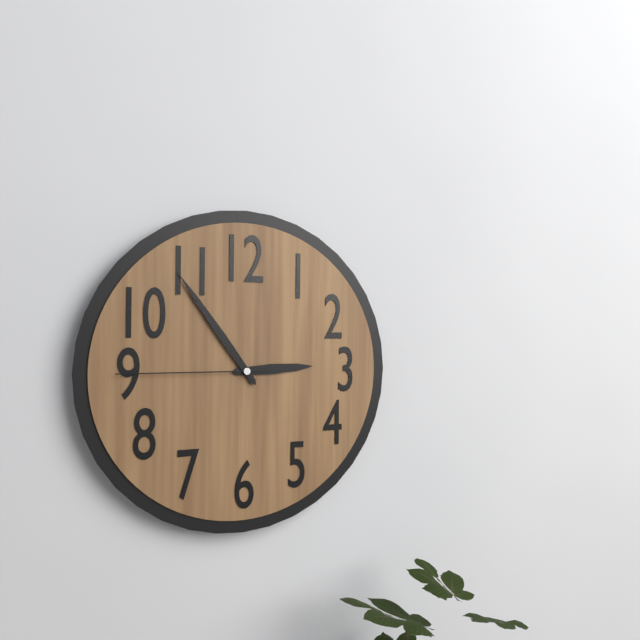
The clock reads {"hour": 2, "minute": 54, "second": 45}
